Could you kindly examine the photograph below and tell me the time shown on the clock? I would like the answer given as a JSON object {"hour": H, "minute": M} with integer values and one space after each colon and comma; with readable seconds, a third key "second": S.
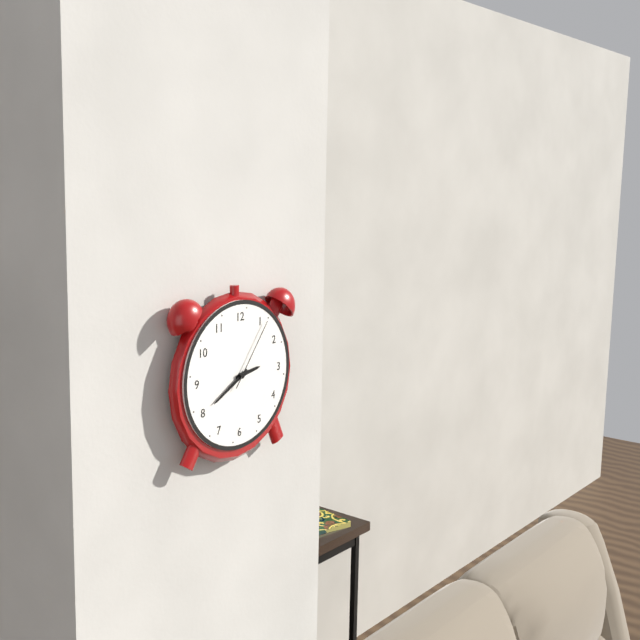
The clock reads {"hour": 2, "minute": 40, "second": 6}
